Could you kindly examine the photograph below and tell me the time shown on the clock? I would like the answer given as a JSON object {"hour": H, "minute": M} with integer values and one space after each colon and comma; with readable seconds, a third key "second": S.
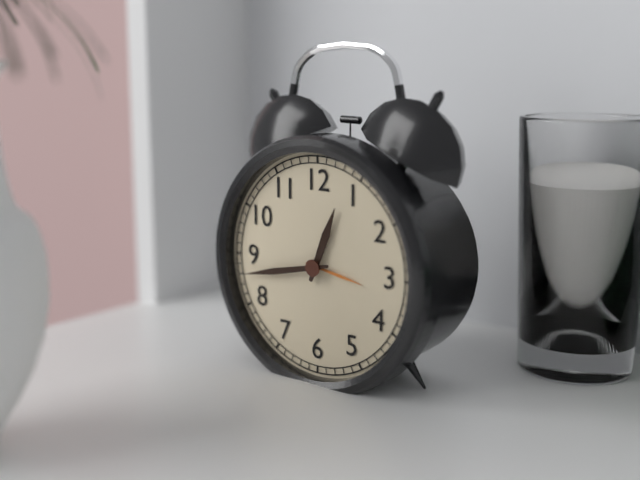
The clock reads {"hour": 12, "minute": 43}
